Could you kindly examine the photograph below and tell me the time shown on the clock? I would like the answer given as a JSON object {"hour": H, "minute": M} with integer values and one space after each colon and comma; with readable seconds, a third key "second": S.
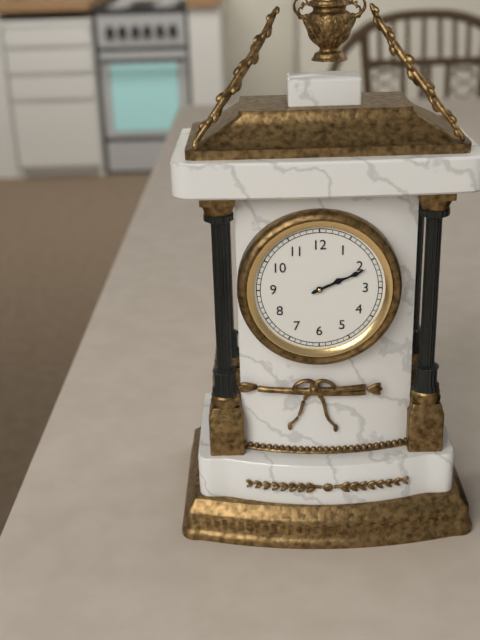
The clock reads {"hour": 2, "minute": 11}
